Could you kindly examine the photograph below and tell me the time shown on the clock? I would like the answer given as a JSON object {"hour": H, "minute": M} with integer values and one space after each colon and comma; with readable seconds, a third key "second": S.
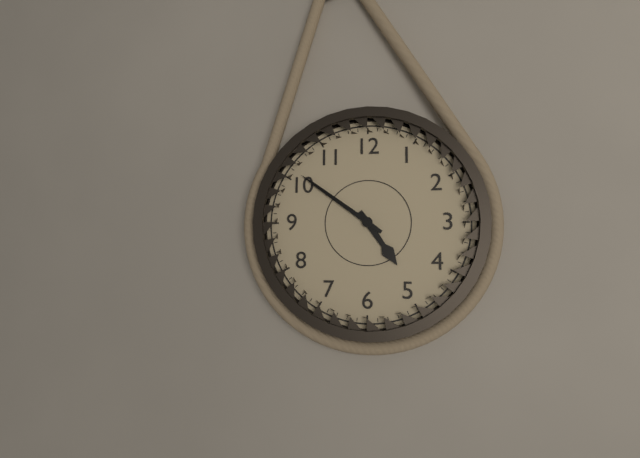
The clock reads {"hour": 4, "minute": 51}
